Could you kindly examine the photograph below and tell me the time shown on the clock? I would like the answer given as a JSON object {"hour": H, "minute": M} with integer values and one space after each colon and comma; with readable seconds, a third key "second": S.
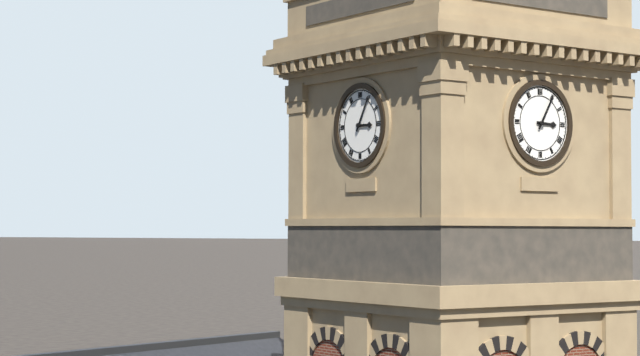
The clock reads {"hour": 3, "minute": 5}
